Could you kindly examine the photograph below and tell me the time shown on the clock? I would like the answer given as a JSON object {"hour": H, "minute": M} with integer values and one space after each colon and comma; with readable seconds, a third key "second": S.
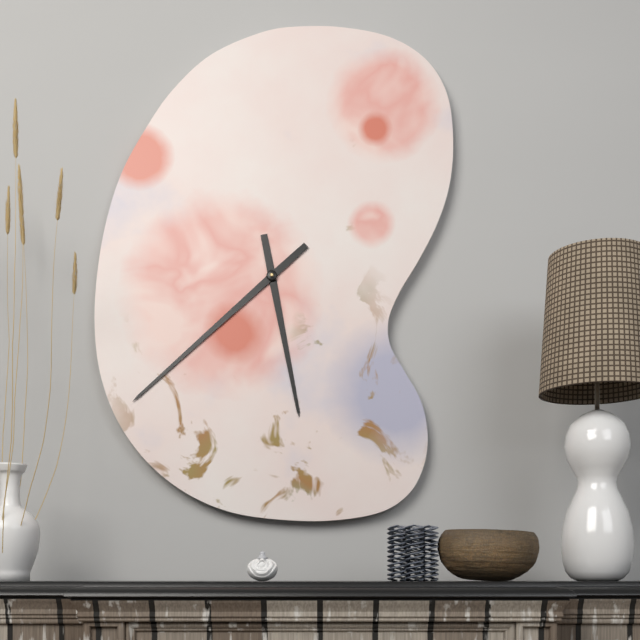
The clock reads {"hour": 5, "minute": 38}
